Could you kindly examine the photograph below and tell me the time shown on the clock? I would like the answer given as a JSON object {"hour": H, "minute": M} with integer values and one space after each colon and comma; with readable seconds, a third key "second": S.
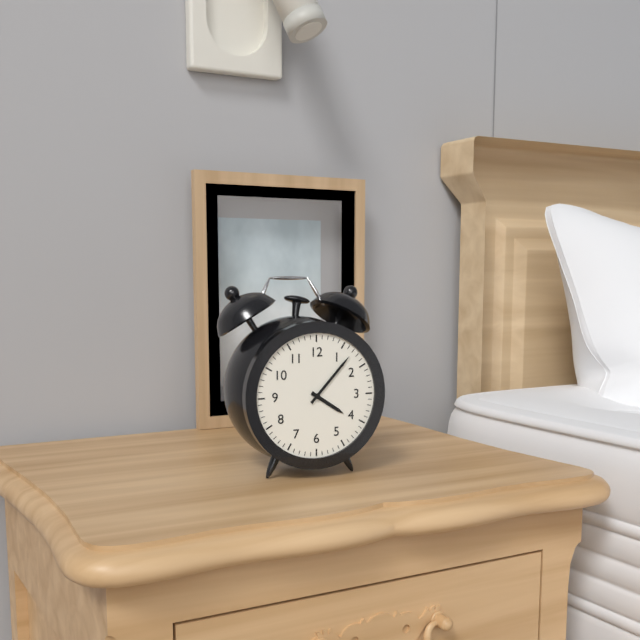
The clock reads {"hour": 4, "minute": 7}
